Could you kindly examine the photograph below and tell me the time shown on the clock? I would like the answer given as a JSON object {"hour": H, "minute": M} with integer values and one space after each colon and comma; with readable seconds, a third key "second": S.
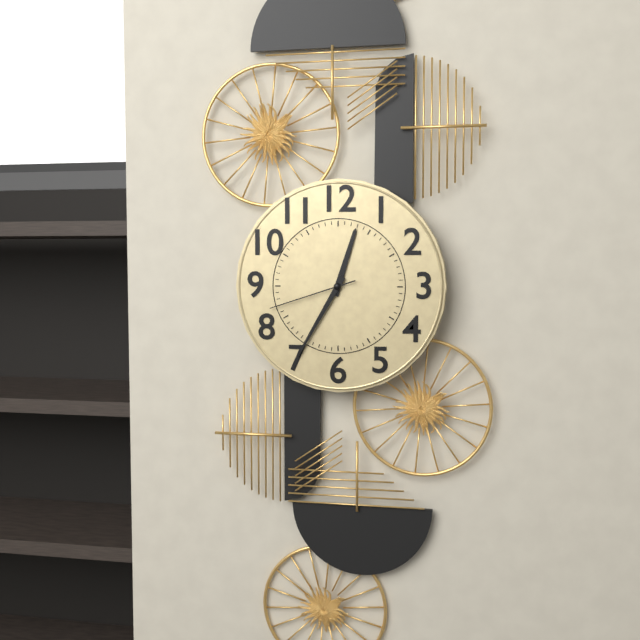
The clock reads {"hour": 12, "minute": 35, "second": 42}
